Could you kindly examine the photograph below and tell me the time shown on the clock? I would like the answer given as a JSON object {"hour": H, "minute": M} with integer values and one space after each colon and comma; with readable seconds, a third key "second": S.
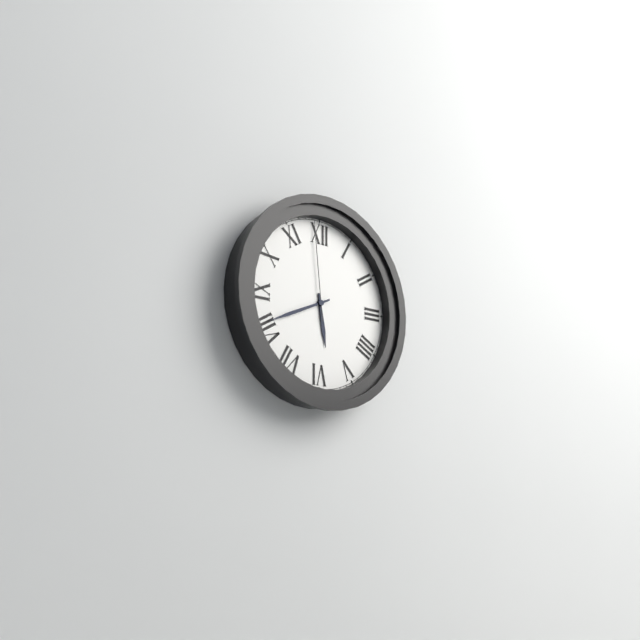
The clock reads {"hour": 5, "minute": 41, "second": 59}
